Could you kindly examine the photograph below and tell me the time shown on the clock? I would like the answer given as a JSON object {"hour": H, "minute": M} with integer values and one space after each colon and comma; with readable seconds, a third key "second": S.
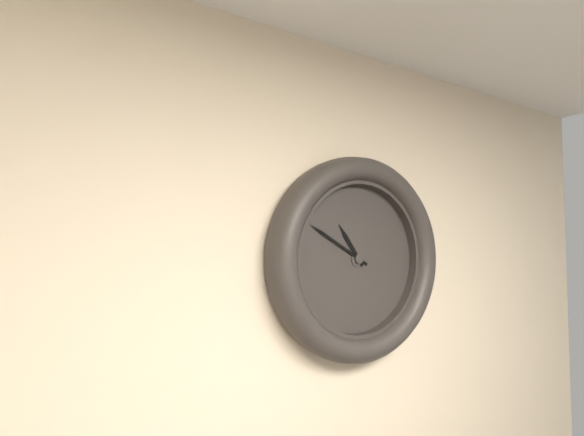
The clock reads {"hour": 10, "minute": 50}
